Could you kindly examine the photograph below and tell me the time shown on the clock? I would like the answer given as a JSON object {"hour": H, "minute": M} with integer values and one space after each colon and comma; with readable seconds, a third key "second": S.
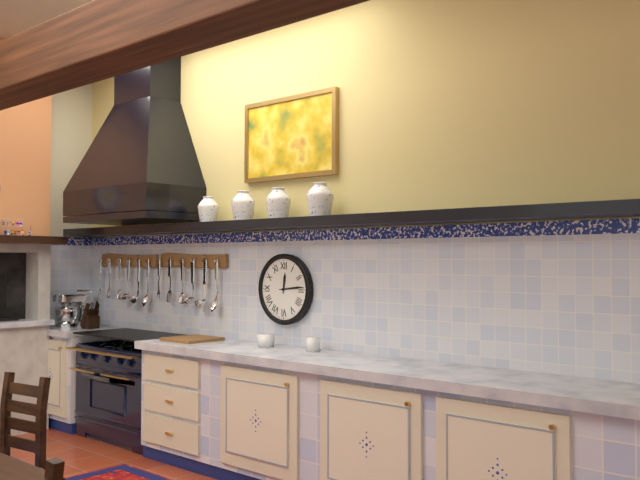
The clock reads {"hour": 12, "minute": 14}
